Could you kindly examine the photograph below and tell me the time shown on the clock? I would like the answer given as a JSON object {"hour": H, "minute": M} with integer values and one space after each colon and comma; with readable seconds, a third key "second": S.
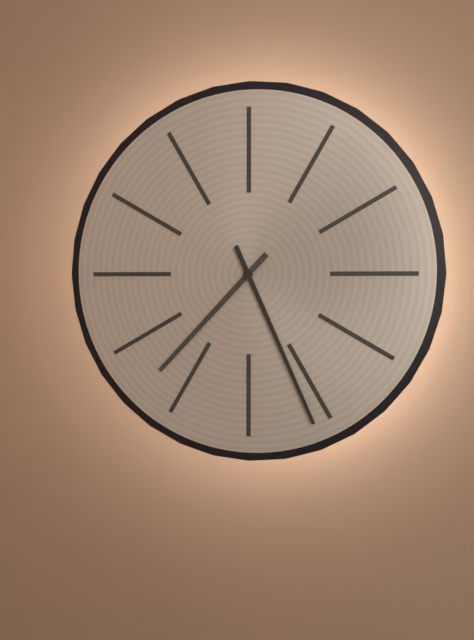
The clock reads {"hour": 7, "minute": 26}
